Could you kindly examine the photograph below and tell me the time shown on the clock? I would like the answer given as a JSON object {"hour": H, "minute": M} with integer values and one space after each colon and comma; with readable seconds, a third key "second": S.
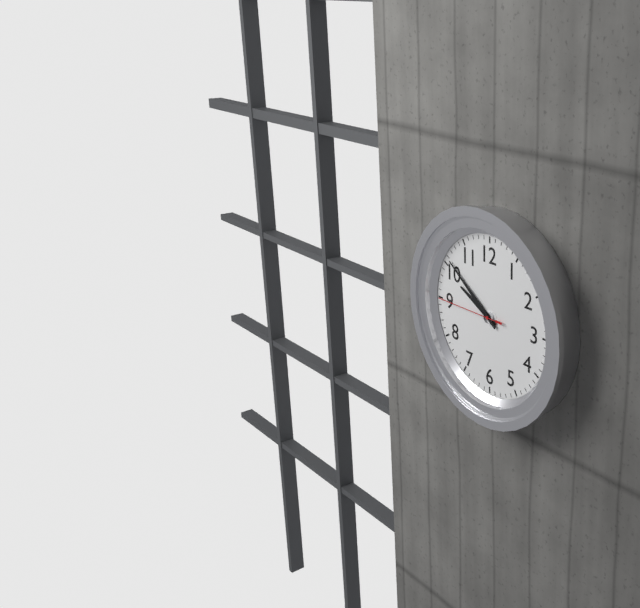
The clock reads {"hour": 9, "minute": 51, "second": 45}
